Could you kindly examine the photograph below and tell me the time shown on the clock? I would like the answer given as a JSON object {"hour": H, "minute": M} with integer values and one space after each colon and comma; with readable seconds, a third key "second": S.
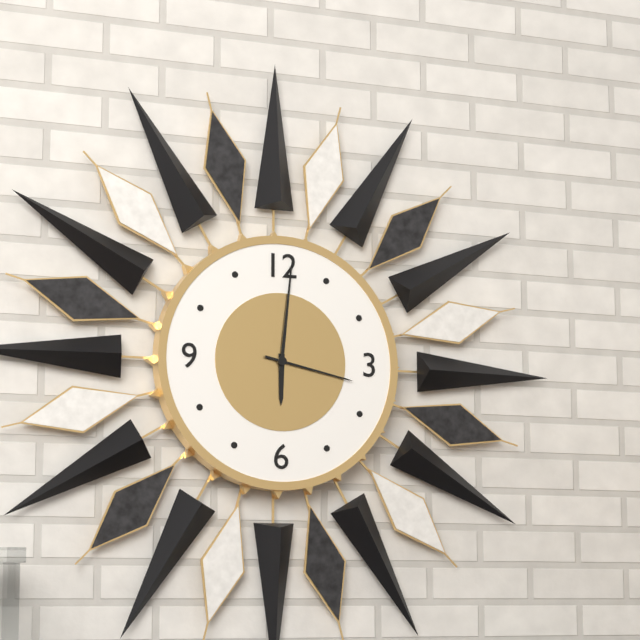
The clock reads {"hour": 6, "minute": 1, "second": 17}
